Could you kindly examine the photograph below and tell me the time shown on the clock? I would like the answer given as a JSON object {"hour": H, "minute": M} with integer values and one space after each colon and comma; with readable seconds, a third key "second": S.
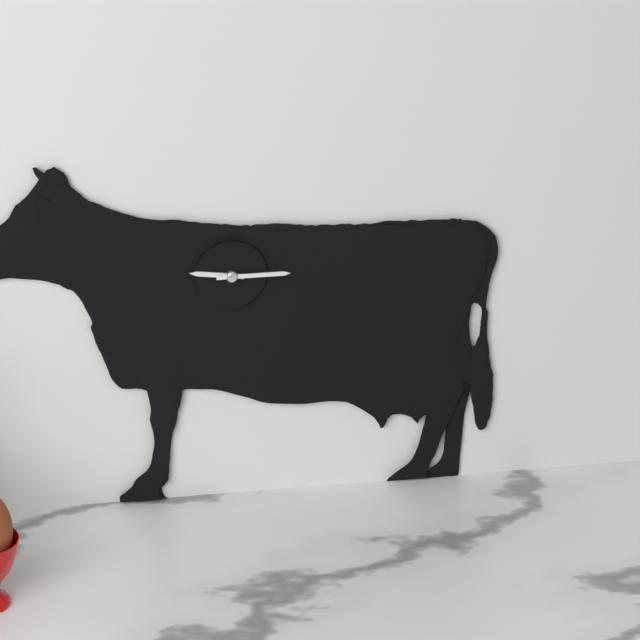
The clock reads {"hour": 9, "minute": 15}
